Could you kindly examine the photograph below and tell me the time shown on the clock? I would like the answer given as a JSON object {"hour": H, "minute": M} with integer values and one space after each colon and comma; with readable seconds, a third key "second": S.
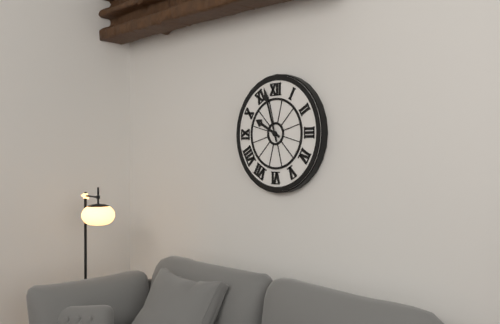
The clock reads {"hour": 9, "minute": 57}
